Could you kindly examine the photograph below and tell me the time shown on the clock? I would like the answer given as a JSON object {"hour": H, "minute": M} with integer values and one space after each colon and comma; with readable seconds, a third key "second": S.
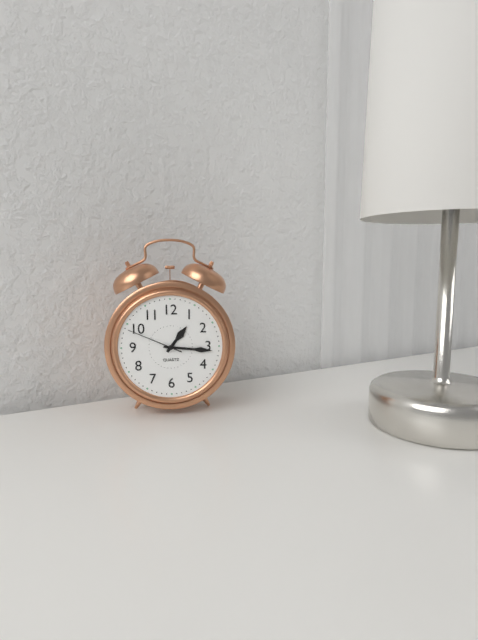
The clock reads {"hour": 1, "minute": 16, "second": 49}
